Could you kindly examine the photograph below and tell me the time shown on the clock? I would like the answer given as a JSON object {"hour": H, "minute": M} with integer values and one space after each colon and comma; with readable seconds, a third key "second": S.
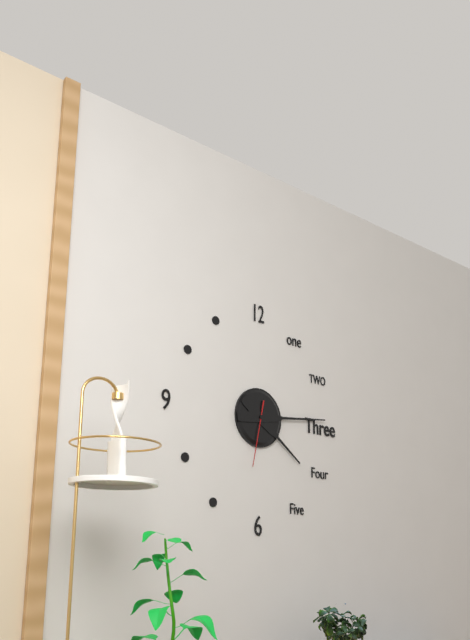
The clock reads {"hour": 4, "minute": 14, "second": 32}
